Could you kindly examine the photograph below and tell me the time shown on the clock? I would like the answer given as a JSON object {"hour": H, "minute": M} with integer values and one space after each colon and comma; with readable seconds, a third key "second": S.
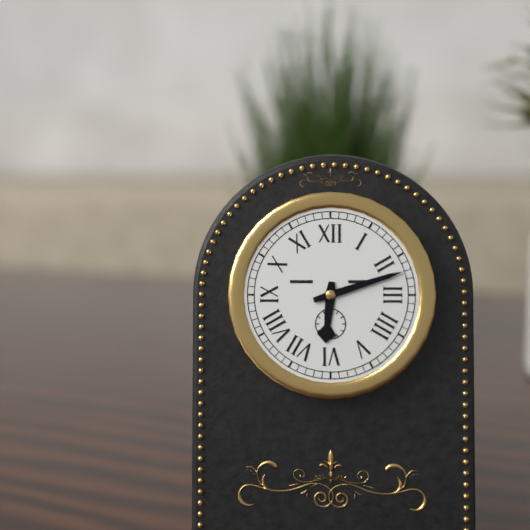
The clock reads {"hour": 6, "minute": 12}
